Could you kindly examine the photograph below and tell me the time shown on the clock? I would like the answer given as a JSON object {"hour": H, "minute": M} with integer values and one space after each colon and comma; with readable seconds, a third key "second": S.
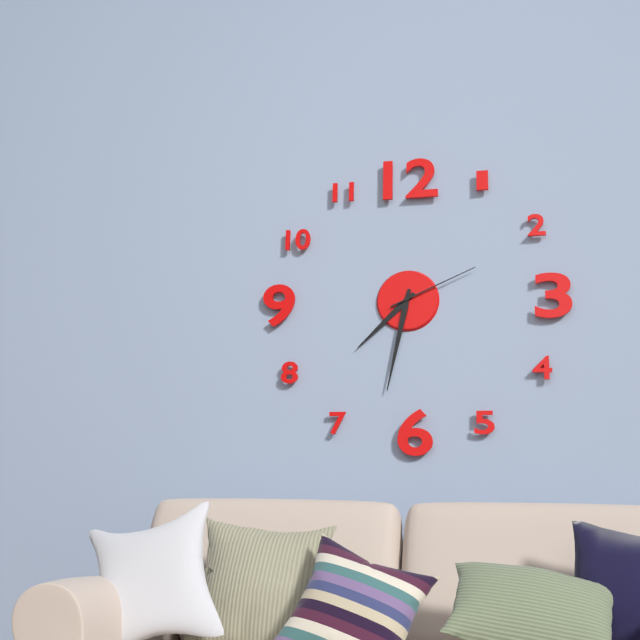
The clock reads {"hour": 7, "minute": 32, "second": 11}
